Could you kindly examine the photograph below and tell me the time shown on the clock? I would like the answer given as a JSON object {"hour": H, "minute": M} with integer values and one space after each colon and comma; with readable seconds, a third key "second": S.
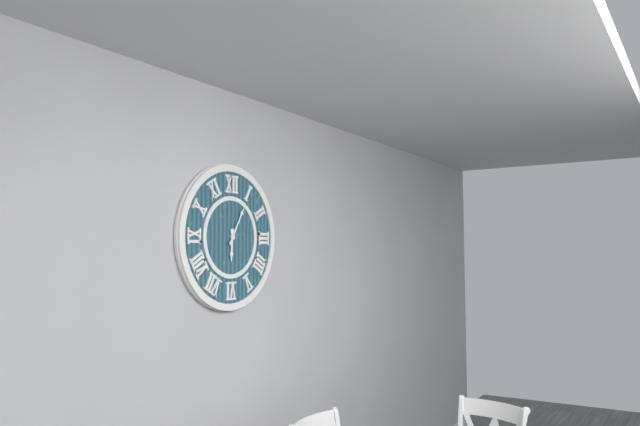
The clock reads {"hour": 6, "minute": 5}
